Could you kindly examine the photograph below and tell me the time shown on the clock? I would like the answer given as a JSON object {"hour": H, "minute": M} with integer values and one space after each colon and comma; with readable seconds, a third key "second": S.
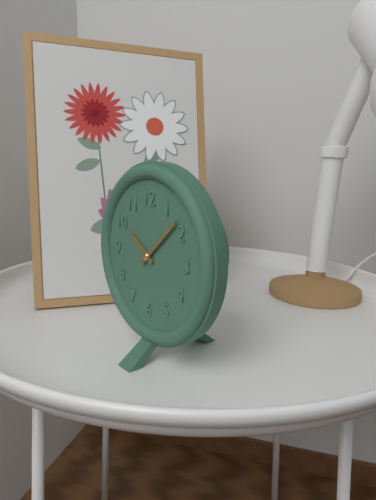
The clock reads {"hour": 10, "minute": 8}
